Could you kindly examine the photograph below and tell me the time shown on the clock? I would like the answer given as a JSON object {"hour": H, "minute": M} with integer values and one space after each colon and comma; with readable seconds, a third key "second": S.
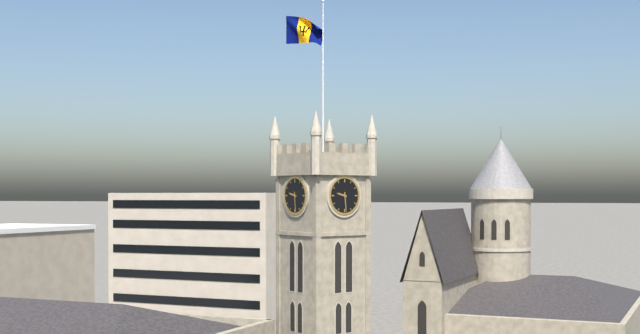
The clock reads {"hour": 9, "minute": 29}
